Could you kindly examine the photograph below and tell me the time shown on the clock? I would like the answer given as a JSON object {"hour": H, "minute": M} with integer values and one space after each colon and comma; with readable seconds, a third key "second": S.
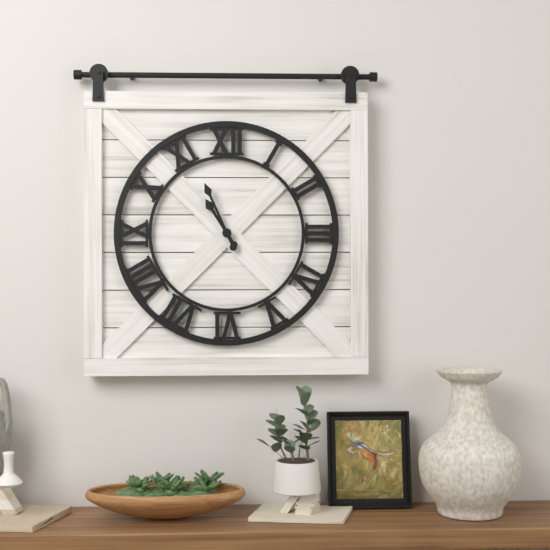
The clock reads {"hour": 10, "minute": 56}
